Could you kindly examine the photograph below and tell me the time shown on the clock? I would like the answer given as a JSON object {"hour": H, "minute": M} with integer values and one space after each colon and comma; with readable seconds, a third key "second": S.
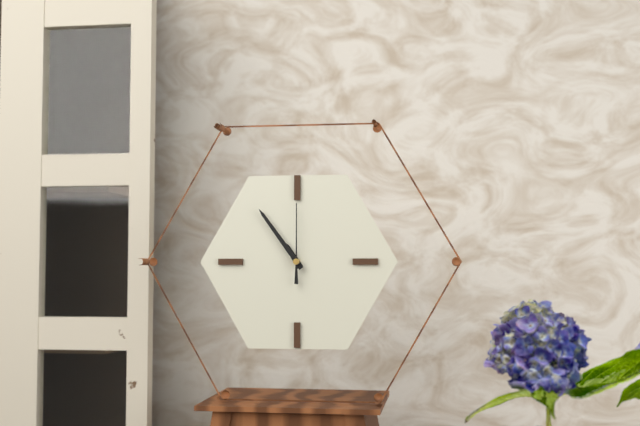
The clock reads {"hour": 10, "minute": 54, "second": 0}
